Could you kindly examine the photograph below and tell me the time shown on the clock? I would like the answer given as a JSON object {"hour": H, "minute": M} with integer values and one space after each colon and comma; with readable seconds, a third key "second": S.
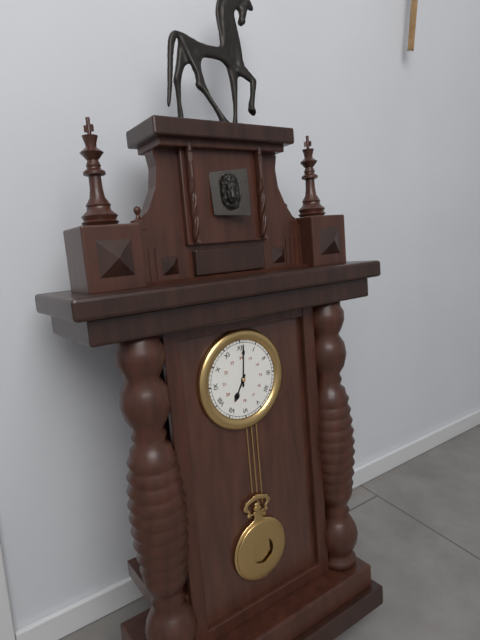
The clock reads {"hour": 7, "minute": 1}
